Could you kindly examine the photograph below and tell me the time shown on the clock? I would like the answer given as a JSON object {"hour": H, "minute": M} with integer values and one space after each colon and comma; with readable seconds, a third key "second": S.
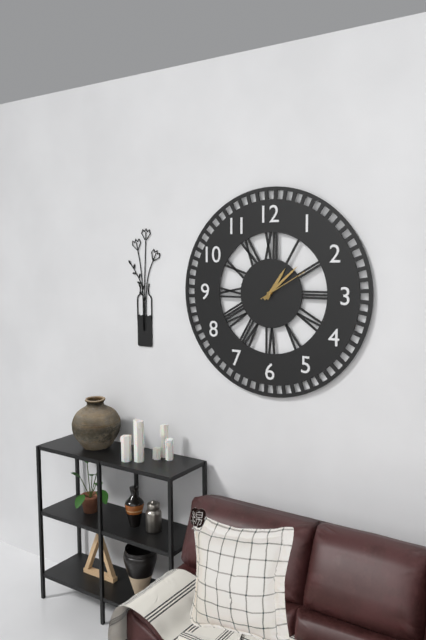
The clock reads {"hour": 1, "minute": 8, "second": 10}
